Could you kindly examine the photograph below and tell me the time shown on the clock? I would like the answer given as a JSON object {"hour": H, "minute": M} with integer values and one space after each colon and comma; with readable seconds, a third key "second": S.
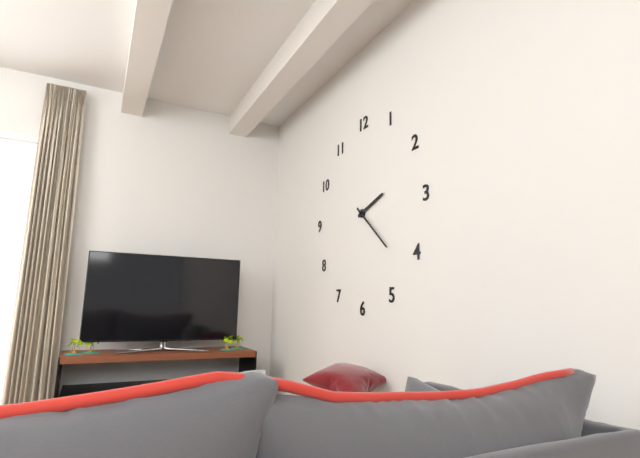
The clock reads {"hour": 2, "minute": 22}
